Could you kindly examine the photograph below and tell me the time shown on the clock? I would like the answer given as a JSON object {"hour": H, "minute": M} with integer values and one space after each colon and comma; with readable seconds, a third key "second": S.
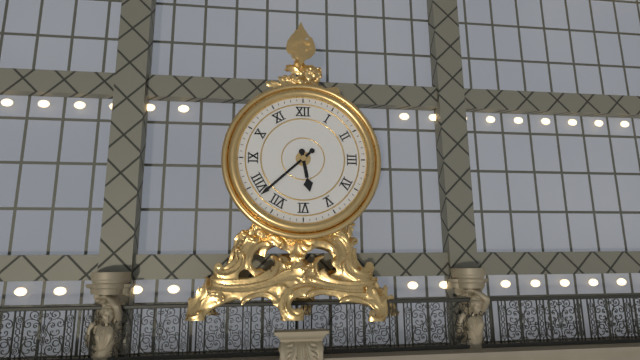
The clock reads {"hour": 5, "minute": 38}
